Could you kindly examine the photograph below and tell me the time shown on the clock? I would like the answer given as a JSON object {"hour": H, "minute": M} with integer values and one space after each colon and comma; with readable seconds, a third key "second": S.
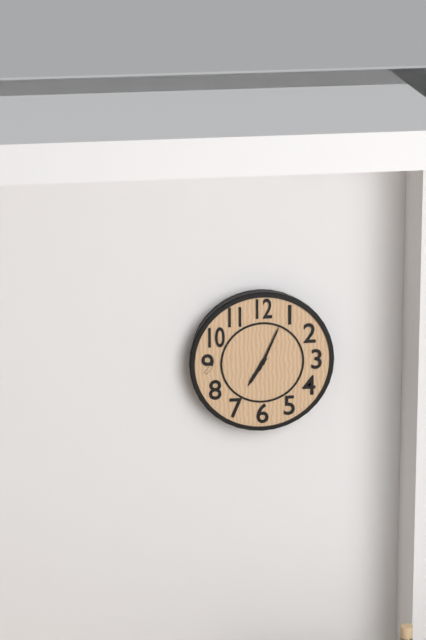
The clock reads {"hour": 7, "minute": 4}
